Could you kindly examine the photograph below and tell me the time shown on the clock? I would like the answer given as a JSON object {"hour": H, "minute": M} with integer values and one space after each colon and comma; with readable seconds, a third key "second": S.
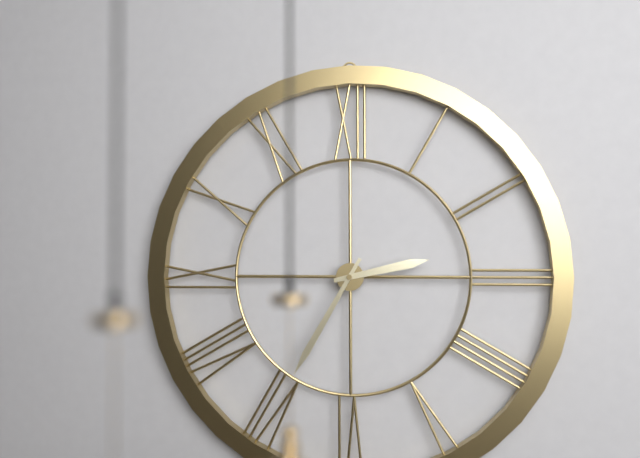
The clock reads {"hour": 2, "minute": 35}
